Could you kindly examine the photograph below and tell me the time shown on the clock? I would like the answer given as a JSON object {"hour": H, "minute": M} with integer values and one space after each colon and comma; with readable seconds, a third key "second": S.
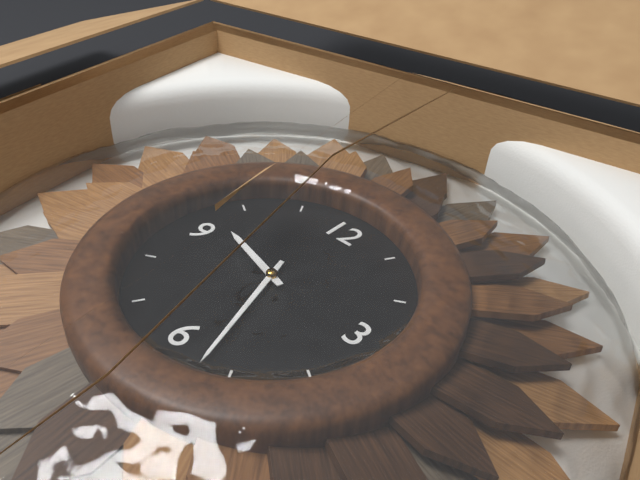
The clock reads {"hour": 9, "minute": 27}
